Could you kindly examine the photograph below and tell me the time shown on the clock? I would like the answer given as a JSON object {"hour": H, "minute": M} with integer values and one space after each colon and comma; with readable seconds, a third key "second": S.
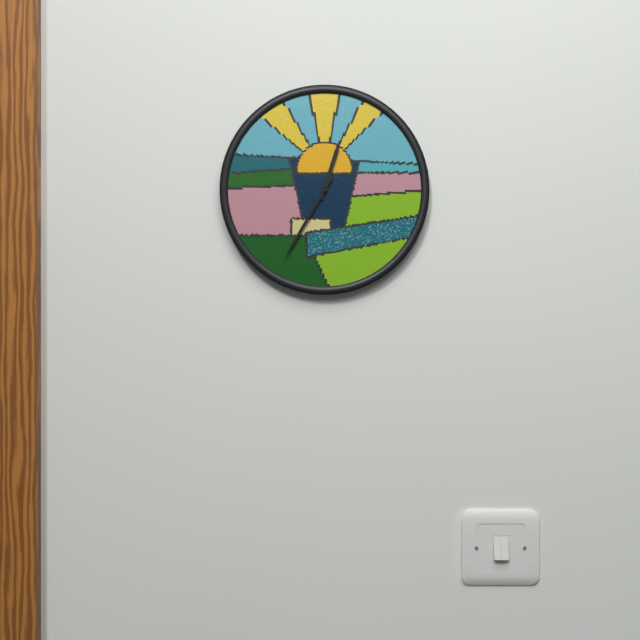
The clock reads {"hour": 12, "minute": 35}
